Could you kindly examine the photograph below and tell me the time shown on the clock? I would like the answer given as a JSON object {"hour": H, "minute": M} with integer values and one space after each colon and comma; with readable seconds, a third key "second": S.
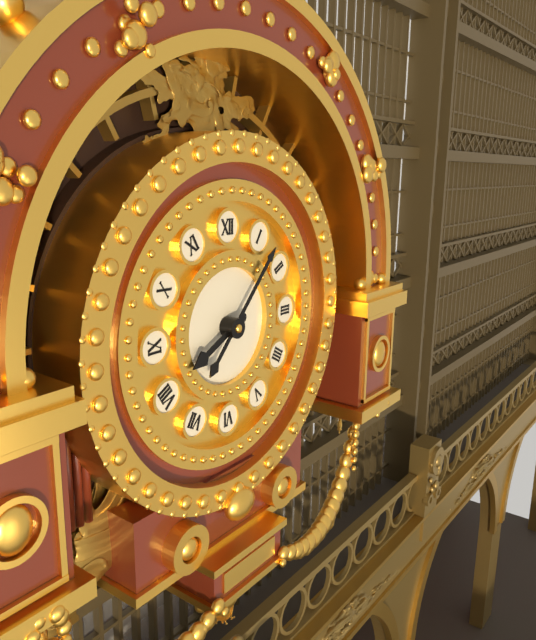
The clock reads {"hour": 8, "minute": 7}
